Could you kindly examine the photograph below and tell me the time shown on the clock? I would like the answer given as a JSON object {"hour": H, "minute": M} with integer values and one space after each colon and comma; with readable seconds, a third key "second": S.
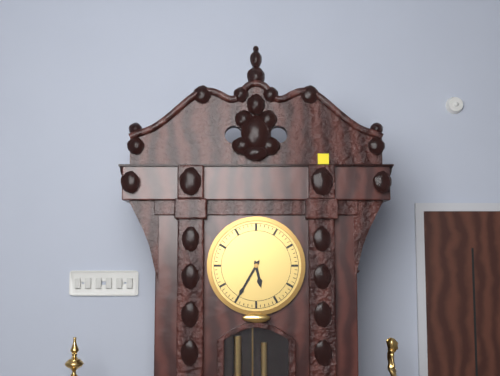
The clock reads {"hour": 5, "minute": 35}
